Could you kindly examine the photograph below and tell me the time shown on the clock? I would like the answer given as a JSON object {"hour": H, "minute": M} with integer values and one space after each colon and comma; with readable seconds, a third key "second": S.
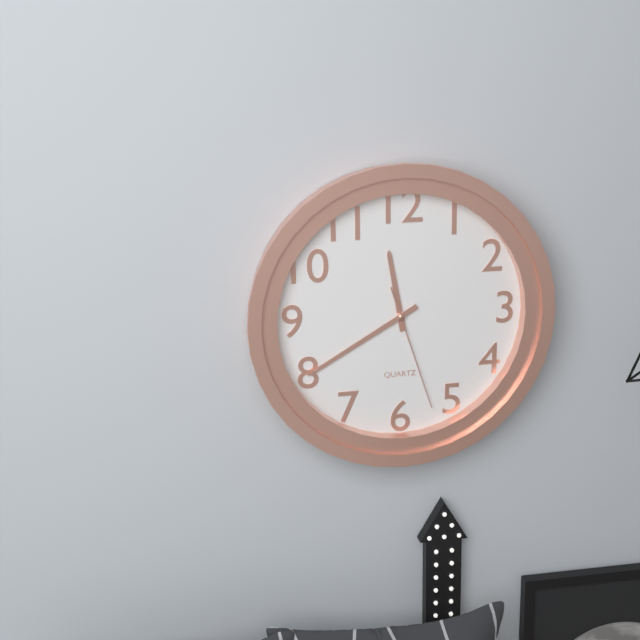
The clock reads {"hour": 11, "minute": 40, "second": 27}
